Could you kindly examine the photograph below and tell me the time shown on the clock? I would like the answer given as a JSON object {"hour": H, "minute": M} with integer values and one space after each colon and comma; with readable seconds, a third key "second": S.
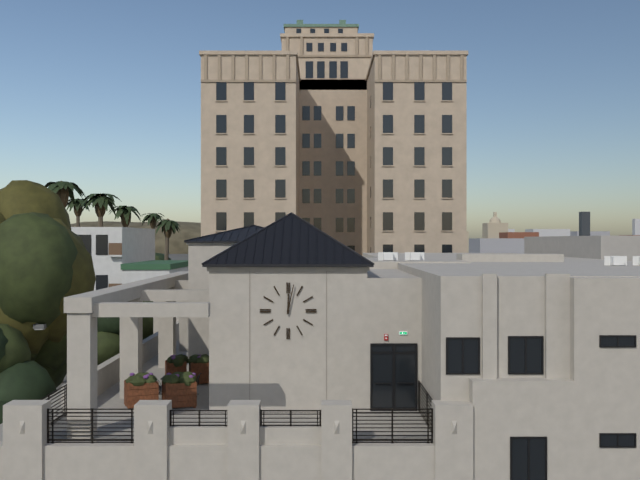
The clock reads {"hour": 12, "minute": 2}
